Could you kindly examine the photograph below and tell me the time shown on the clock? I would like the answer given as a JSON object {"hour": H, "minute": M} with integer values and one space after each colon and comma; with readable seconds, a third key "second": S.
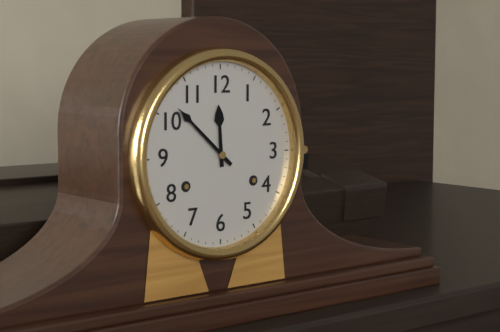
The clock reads {"hour": 11, "minute": 52}
